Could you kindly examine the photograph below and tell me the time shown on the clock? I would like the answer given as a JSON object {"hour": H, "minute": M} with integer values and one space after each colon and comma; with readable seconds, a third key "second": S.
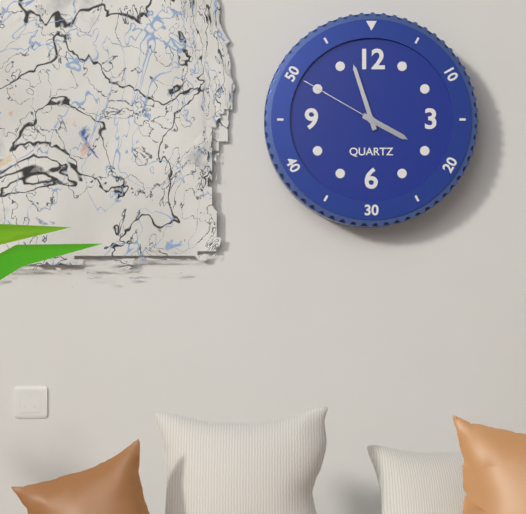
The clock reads {"hour": 3, "minute": 57, "second": 50}
